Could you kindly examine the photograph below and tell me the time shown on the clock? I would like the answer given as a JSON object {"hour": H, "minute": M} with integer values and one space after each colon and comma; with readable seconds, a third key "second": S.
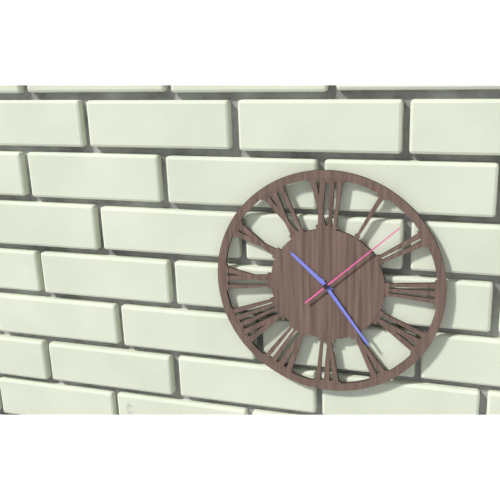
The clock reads {"hour": 10, "minute": 24, "second": 8}
